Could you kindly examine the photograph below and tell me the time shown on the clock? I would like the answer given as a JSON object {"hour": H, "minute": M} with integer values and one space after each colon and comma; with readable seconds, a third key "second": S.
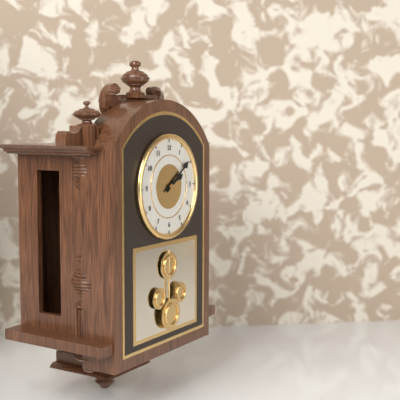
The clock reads {"hour": 2, "minute": 9}
